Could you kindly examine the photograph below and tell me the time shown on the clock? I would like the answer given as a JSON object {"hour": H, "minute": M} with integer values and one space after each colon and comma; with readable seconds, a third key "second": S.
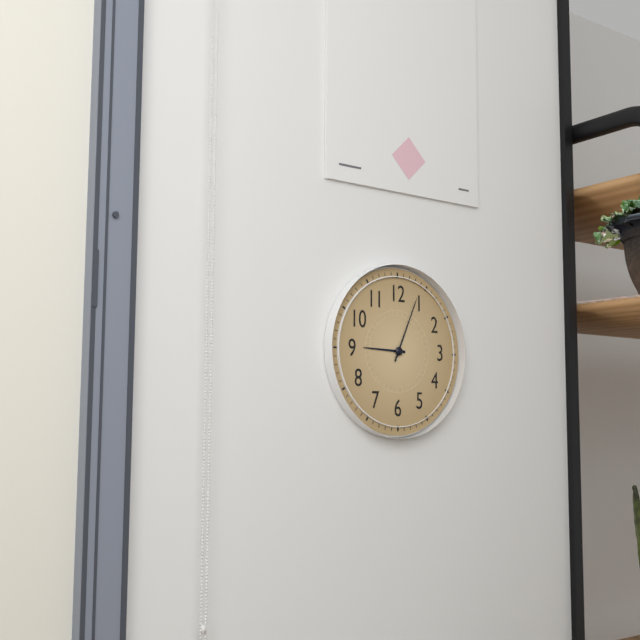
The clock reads {"hour": 9, "minute": 4}
